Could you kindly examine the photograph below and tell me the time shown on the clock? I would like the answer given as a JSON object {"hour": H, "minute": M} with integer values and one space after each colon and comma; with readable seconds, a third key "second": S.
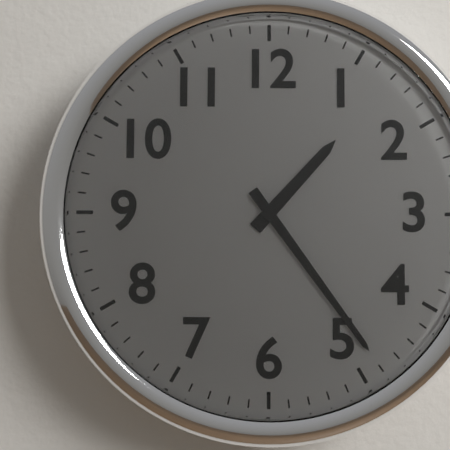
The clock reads {"hour": 1, "minute": 24}
